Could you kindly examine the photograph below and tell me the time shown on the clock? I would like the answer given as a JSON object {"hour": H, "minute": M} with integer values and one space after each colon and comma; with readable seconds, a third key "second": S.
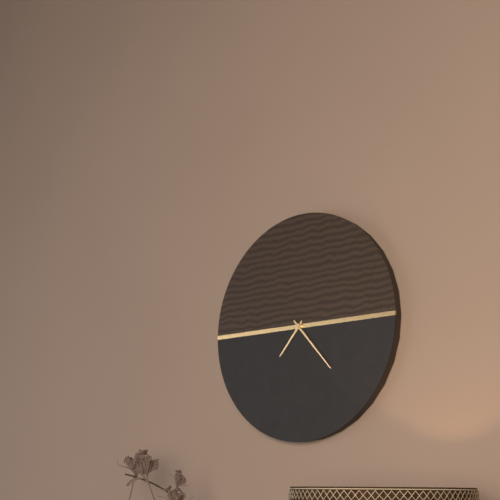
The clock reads {"hour": 7, "minute": 23}
